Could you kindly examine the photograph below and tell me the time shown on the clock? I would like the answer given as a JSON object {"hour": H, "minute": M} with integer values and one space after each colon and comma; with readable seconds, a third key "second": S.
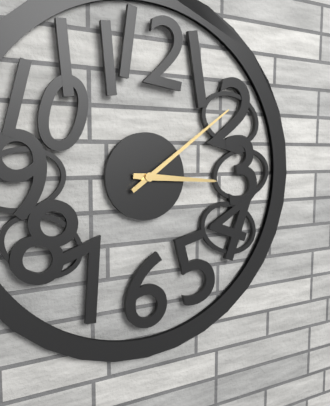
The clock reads {"hour": 3, "minute": 9}
